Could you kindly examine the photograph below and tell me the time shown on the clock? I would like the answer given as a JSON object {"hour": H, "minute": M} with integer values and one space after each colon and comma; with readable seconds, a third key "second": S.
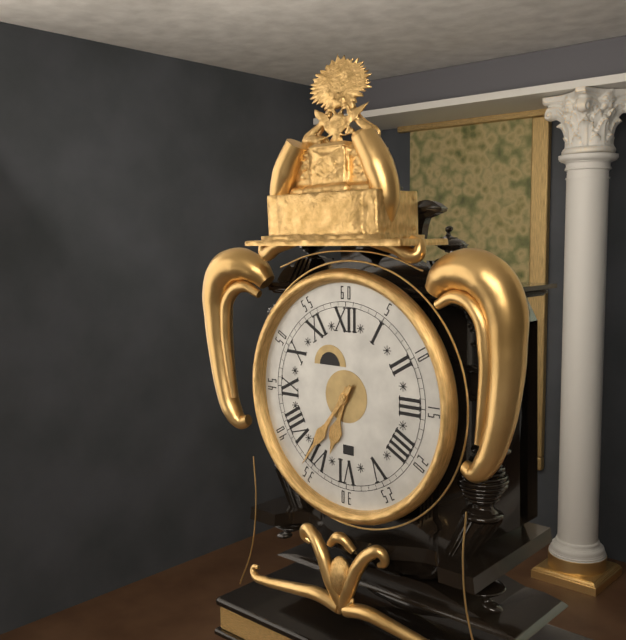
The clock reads {"hour": 6, "minute": 36}
